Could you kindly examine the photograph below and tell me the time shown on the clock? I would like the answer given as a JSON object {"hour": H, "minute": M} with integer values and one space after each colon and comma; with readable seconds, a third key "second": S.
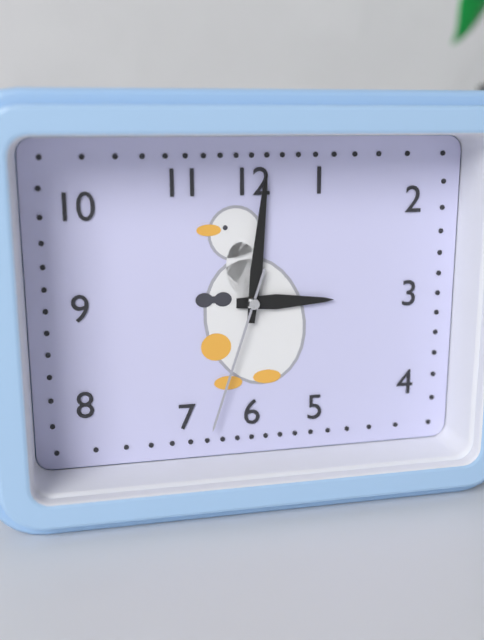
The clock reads {"hour": 3, "minute": 1, "second": 33}
